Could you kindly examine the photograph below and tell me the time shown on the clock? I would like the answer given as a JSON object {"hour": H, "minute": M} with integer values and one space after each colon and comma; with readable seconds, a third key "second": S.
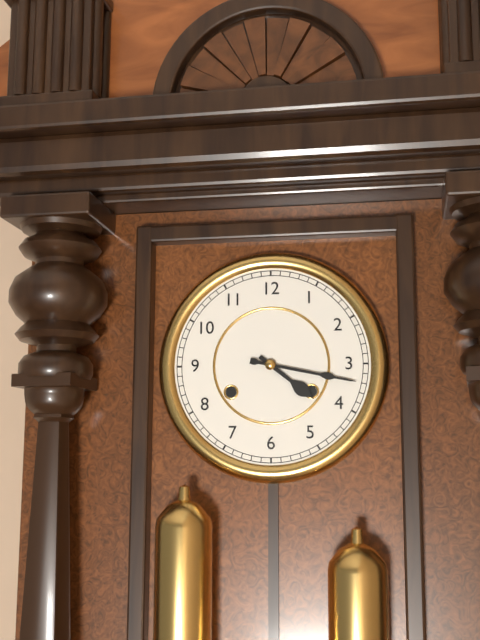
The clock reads {"hour": 4, "minute": 17}
